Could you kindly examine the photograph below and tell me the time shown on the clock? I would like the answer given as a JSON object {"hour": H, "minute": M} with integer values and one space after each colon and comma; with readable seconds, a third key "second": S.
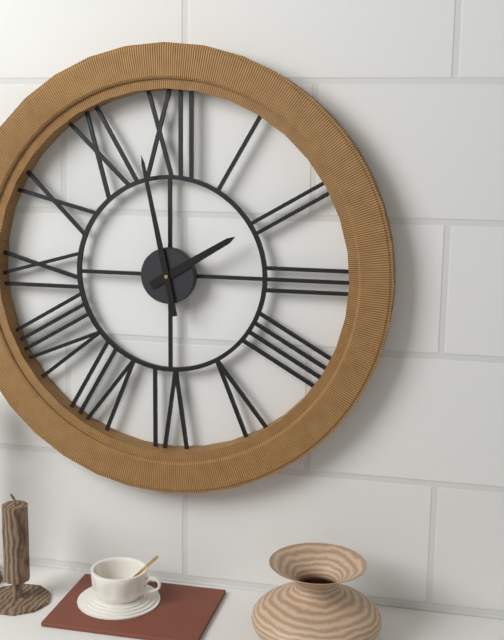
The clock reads {"hour": 1, "minute": 58}
